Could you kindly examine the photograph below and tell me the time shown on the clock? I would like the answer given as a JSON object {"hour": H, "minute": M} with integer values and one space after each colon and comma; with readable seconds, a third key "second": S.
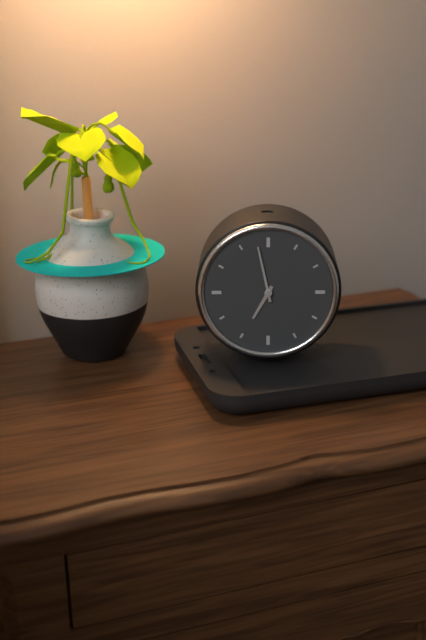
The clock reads {"hour": 6, "minute": 58}
